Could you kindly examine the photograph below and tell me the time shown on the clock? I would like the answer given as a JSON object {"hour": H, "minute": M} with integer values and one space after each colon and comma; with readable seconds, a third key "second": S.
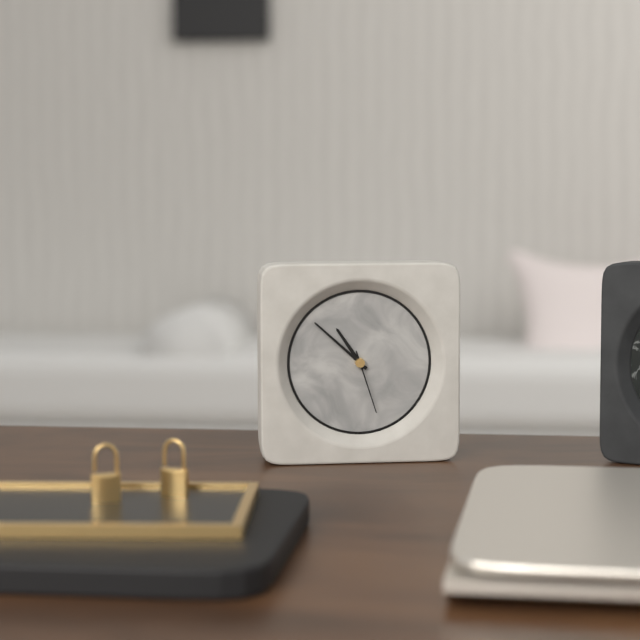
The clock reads {"hour": 10, "minute": 52, "second": 27}
